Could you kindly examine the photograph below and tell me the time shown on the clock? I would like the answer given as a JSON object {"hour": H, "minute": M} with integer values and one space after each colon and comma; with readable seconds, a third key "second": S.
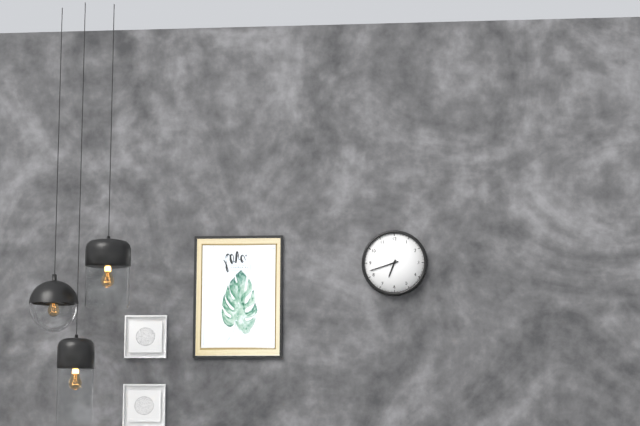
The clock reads {"hour": 6, "minute": 42}
